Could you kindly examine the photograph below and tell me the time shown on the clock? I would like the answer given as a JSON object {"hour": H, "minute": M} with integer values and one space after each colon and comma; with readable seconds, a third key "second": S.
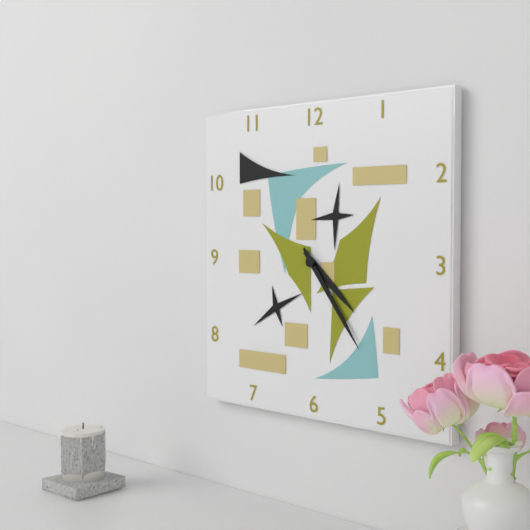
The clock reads {"hour": 4, "minute": 24}
